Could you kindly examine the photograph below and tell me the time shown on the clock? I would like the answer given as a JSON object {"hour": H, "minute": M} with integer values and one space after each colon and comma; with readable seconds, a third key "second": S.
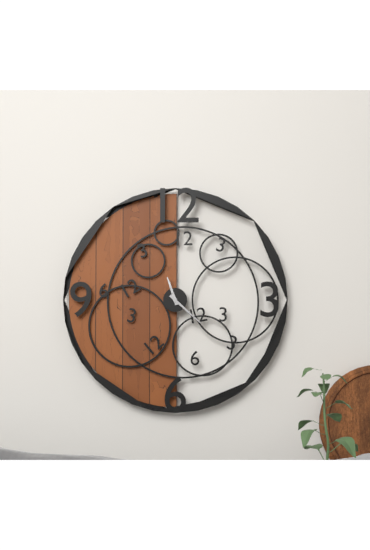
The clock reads {"hour": 11, "minute": 22}
